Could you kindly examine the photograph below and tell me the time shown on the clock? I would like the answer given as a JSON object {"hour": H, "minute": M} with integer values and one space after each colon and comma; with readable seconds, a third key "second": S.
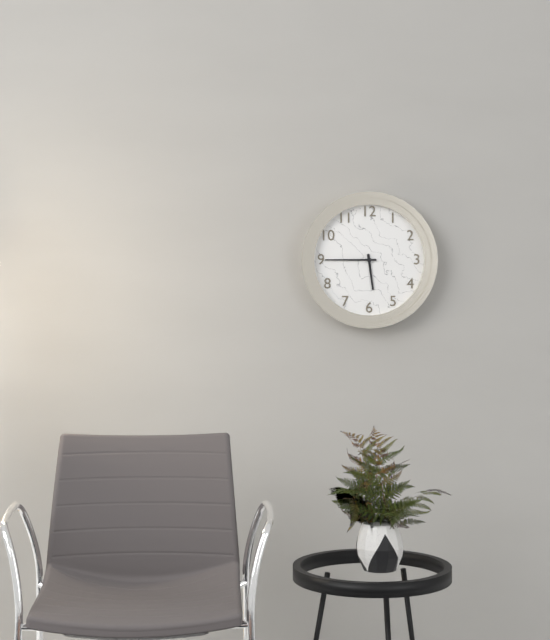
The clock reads {"hour": 5, "minute": 45}
